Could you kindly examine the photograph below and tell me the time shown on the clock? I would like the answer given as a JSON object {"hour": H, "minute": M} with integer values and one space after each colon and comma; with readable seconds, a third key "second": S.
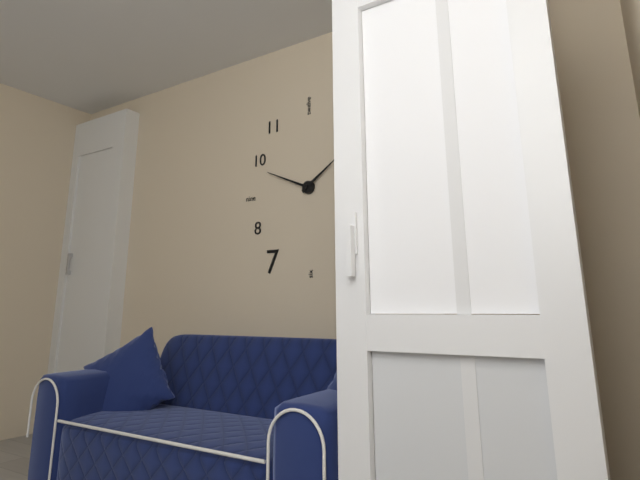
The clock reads {"hour": 1, "minute": 49}
